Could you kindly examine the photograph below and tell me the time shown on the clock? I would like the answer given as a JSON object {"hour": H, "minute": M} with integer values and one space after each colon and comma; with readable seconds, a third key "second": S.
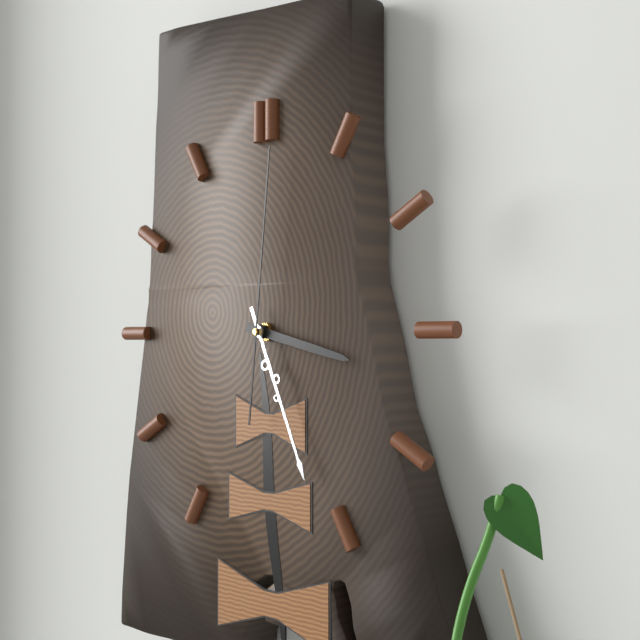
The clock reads {"hour": 3, "minute": 26, "second": 1}
